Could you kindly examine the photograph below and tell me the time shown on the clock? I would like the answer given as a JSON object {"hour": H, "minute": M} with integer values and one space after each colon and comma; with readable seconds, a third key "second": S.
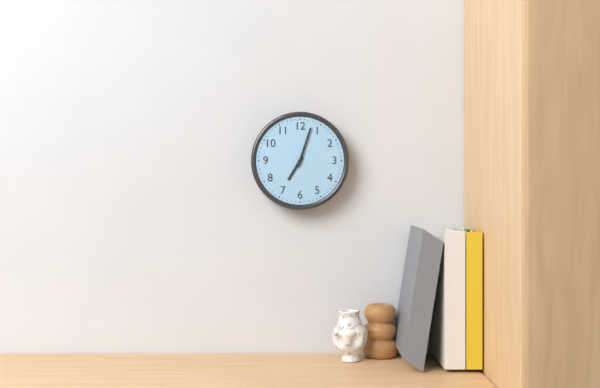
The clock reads {"hour": 7, "minute": 3}
